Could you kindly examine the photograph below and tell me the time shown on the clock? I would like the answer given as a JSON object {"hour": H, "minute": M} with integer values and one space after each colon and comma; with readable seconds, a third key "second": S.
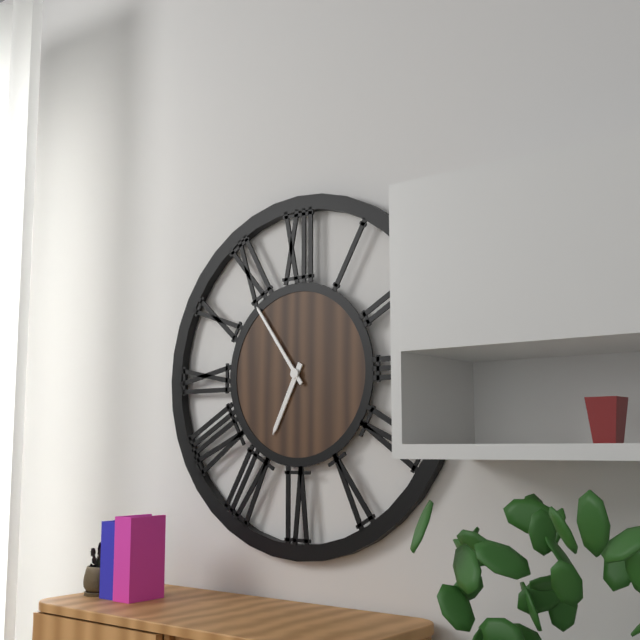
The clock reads {"hour": 6, "minute": 54}
